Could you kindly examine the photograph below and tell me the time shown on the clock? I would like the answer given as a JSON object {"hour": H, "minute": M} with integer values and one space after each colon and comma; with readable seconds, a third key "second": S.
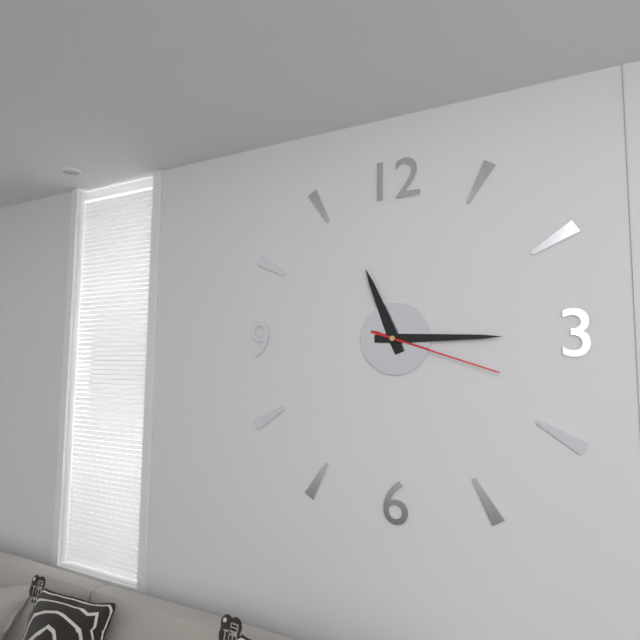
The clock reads {"hour": 11, "minute": 15, "second": 18}
